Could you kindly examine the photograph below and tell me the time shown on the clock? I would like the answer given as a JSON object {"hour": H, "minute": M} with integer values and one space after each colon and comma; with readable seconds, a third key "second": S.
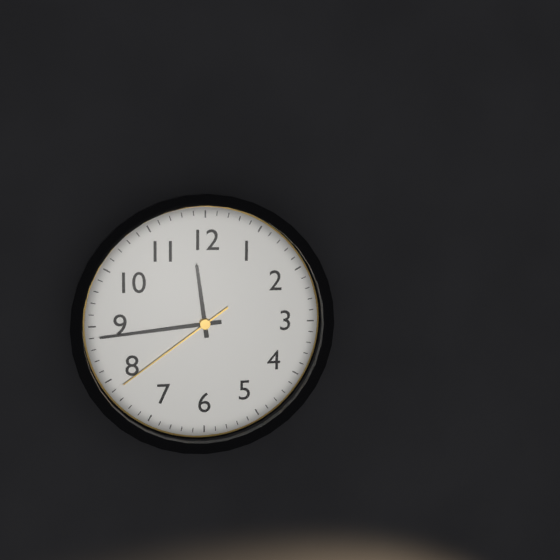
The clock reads {"hour": 11, "minute": 44, "second": 39}
